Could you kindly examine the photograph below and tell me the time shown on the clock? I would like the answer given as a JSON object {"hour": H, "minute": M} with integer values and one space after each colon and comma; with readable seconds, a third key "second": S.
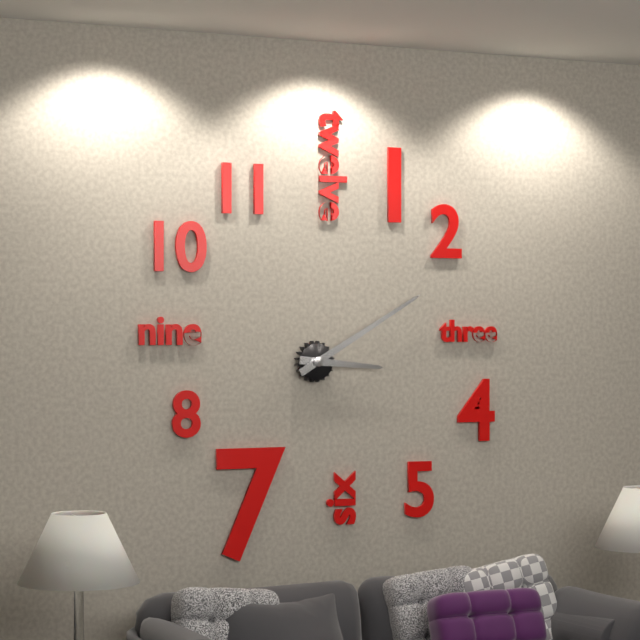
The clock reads {"hour": 3, "minute": 10}
